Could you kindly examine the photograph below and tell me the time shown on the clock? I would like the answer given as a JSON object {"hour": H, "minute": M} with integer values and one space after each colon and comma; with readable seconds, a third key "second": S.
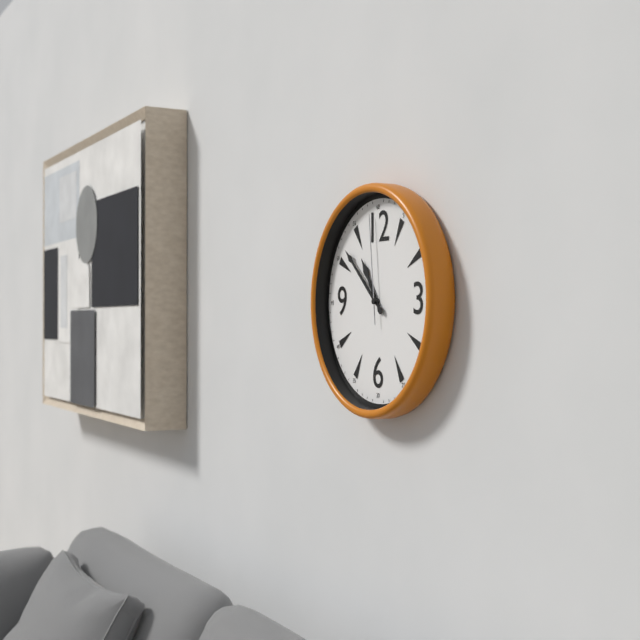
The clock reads {"hour": 10, "minute": 52, "second": 59}
